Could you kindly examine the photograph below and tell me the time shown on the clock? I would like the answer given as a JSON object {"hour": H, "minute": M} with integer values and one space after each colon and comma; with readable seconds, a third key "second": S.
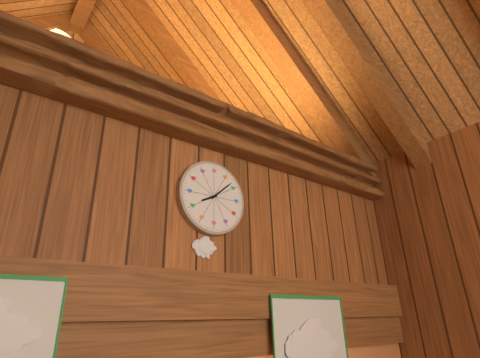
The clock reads {"hour": 8, "minute": 8}
